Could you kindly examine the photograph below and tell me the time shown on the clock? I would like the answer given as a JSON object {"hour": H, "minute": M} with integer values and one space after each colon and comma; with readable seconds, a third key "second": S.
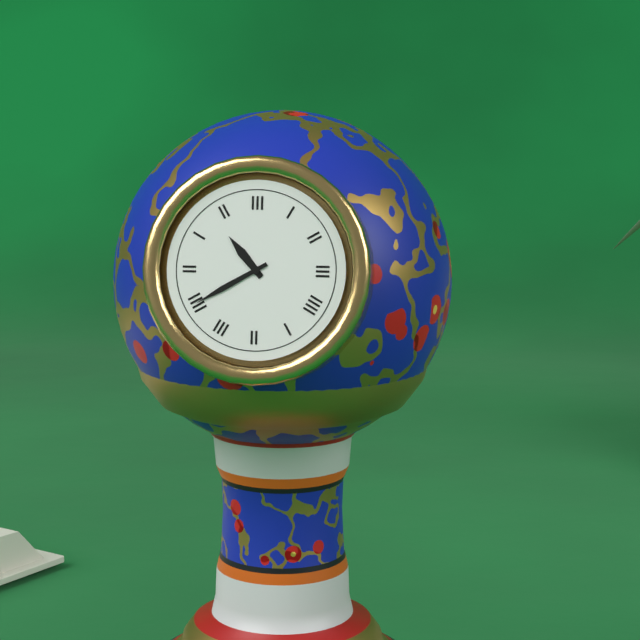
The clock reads {"hour": 10, "minute": 40}
